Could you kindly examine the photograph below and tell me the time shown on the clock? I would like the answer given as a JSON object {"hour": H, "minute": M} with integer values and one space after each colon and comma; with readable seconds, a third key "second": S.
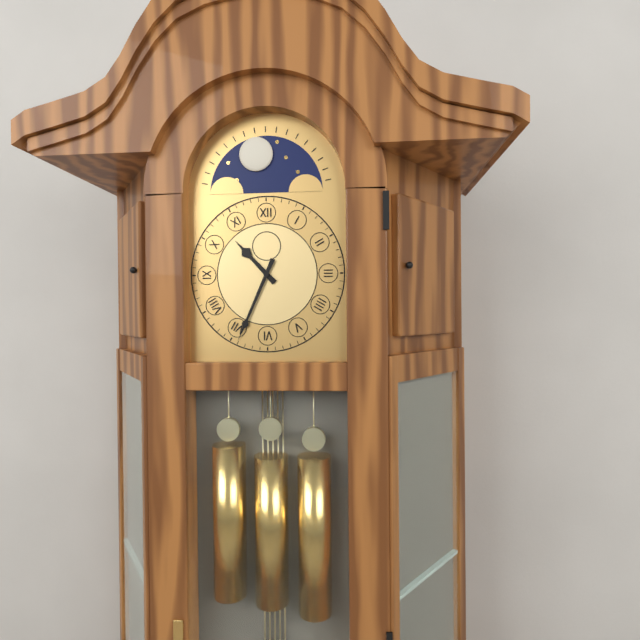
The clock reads {"hour": 10, "minute": 34}
